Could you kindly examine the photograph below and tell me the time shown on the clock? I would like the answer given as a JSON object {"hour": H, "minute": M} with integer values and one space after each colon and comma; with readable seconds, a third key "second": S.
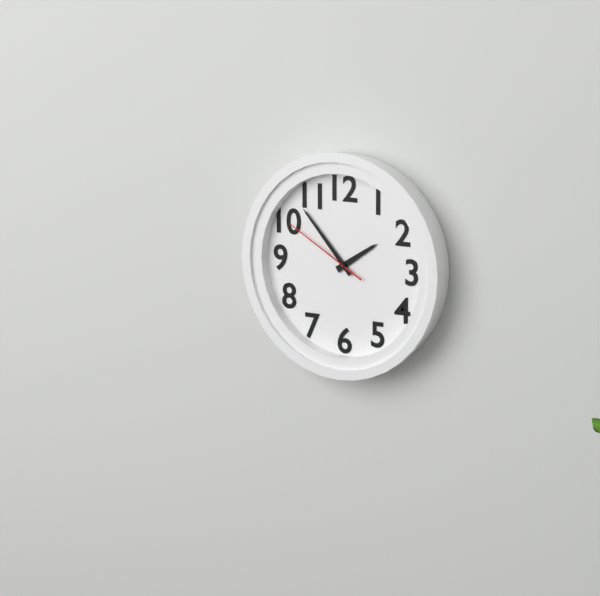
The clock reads {"hour": 1, "minute": 53, "second": 50}
